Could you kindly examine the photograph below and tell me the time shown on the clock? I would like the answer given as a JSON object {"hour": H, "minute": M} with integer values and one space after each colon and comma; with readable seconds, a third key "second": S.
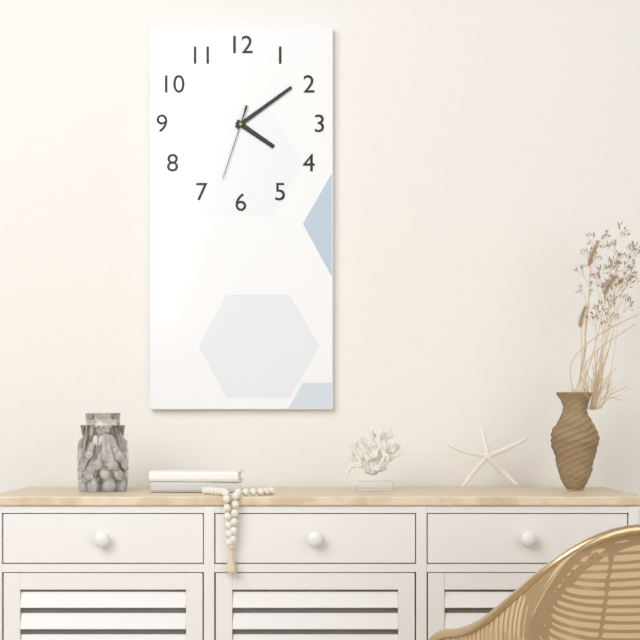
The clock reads {"hour": 4, "minute": 9, "second": 33}
